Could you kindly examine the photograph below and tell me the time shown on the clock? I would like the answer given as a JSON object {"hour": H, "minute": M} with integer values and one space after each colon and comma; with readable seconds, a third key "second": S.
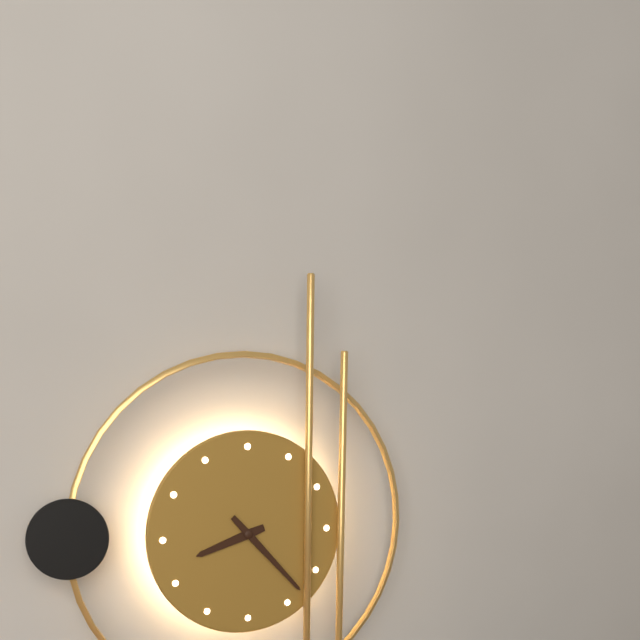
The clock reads {"hour": 8, "minute": 23}
